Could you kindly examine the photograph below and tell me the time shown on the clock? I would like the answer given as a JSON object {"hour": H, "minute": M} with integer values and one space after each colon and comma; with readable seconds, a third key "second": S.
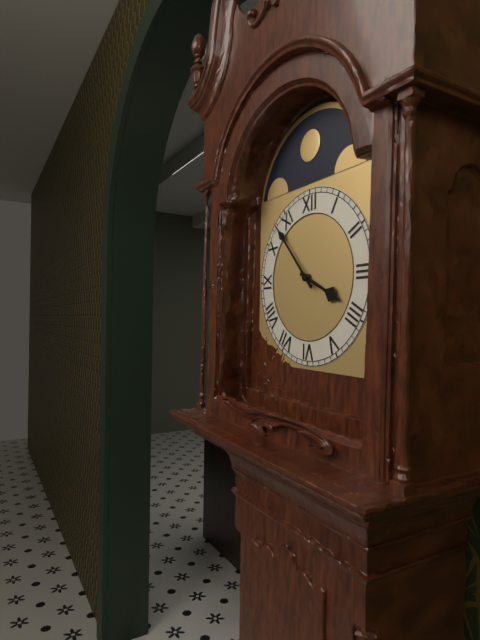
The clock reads {"hour": 3, "minute": 53}
